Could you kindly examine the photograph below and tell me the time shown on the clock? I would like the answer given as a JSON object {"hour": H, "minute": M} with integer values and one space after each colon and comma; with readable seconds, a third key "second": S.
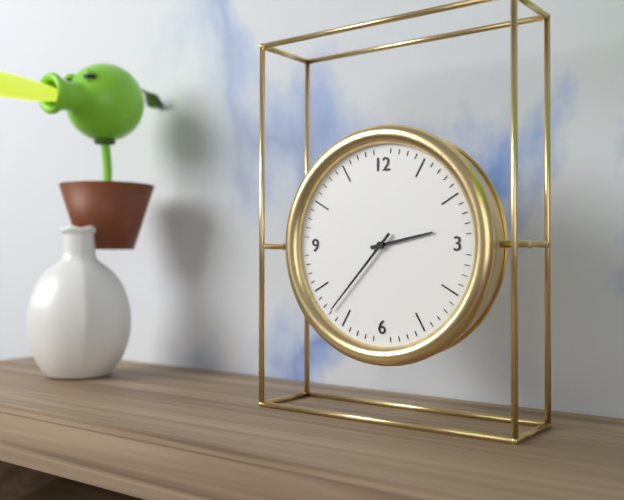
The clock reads {"hour": 2, "minute": 37}
